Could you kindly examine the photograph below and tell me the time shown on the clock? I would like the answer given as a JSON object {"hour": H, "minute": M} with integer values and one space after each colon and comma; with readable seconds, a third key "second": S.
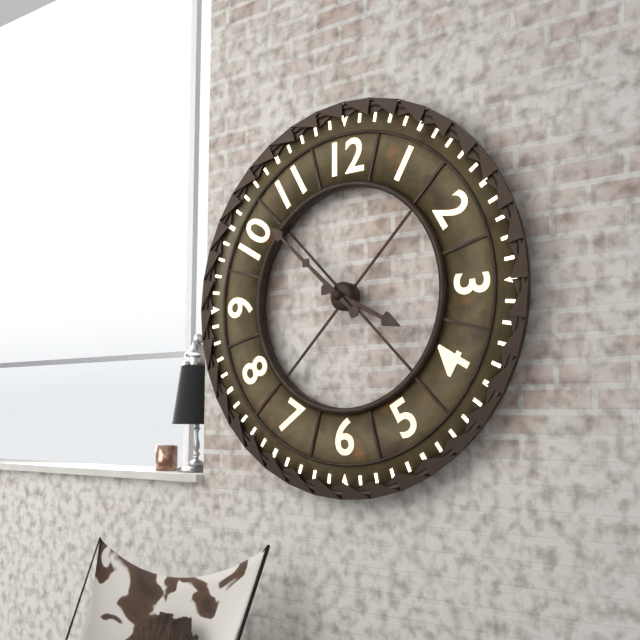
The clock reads {"hour": 3, "minute": 52}
